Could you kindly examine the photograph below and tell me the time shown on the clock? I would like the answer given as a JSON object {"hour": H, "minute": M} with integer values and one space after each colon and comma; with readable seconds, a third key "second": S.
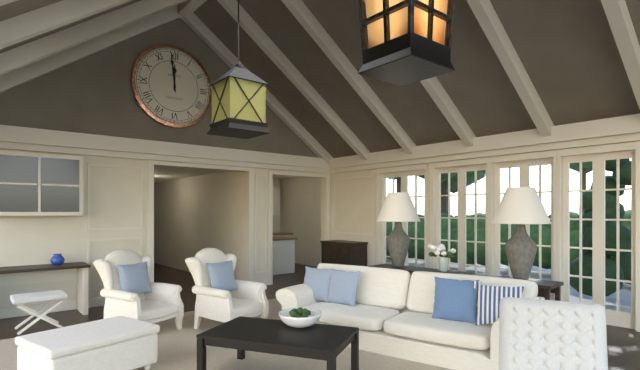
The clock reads {"hour": 11, "minute": 59}
